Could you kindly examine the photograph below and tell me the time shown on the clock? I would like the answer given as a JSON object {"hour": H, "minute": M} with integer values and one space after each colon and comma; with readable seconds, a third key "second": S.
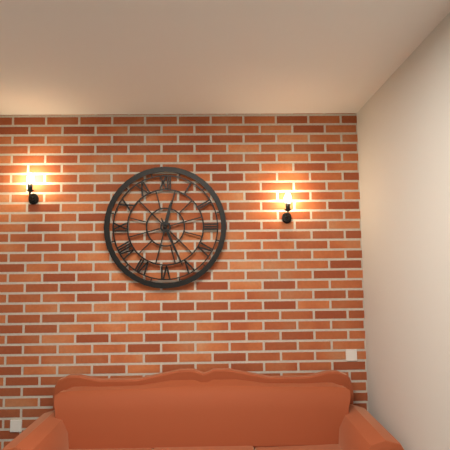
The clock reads {"hour": 12, "minute": 26}
